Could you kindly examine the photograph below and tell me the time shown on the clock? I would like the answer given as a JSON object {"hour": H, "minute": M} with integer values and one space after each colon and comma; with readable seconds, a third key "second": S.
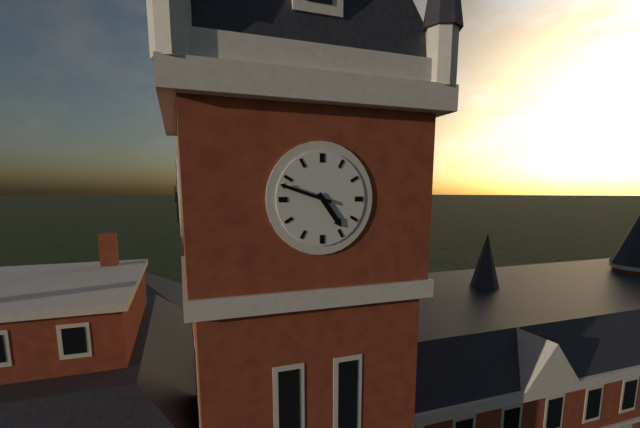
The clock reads {"hour": 4, "minute": 48}
